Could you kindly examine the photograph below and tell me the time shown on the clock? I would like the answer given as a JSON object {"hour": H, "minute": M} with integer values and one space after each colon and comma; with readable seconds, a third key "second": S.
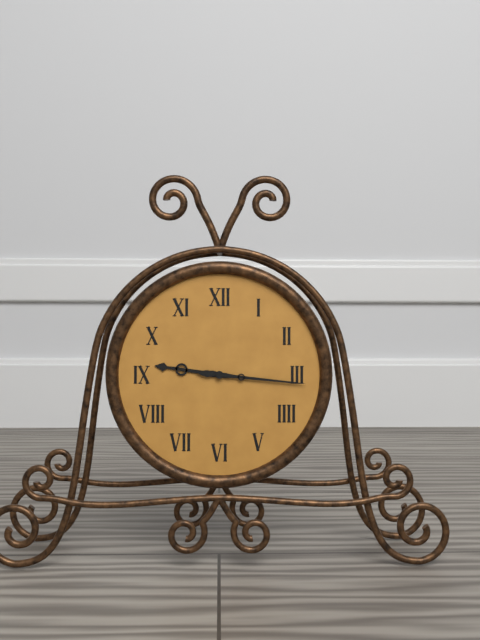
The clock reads {"hour": 9, "minute": 16}
